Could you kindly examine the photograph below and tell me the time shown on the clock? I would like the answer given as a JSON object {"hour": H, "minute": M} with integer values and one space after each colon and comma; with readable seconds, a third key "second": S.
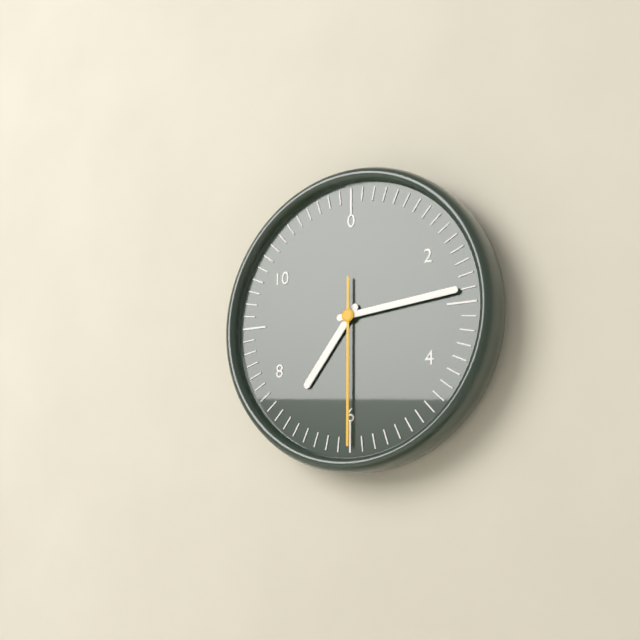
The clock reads {"hour": 7, "minute": 14, "second": 30}
